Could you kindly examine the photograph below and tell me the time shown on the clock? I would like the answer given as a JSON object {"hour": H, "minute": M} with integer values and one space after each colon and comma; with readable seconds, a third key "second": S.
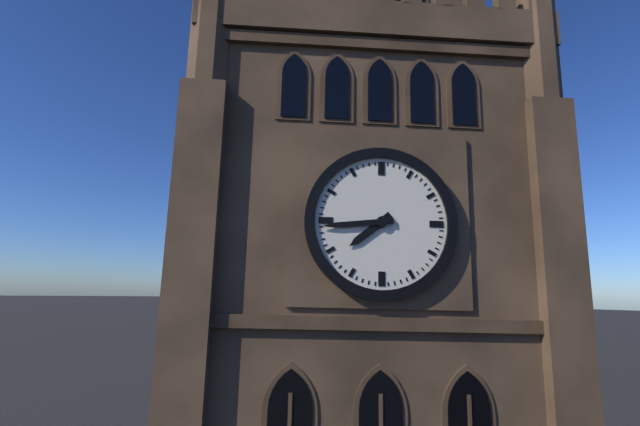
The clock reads {"hour": 7, "minute": 44}
